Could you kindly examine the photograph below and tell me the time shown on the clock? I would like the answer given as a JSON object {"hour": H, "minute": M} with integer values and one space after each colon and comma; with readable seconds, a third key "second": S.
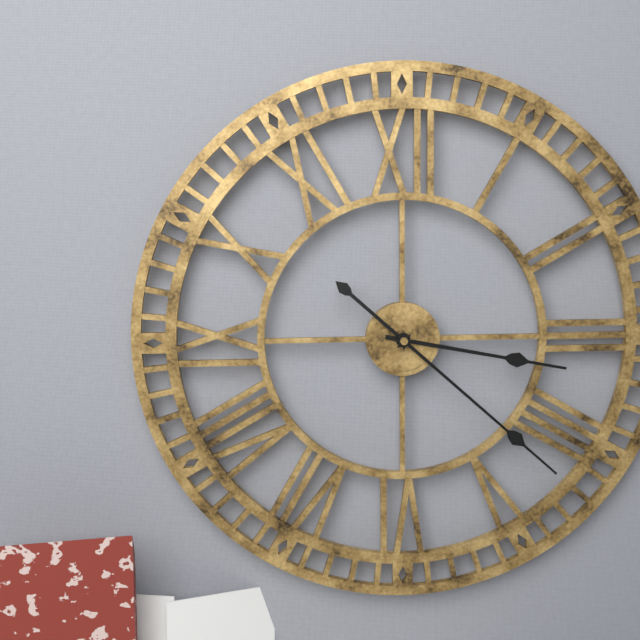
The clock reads {"hour": 3, "minute": 22}
